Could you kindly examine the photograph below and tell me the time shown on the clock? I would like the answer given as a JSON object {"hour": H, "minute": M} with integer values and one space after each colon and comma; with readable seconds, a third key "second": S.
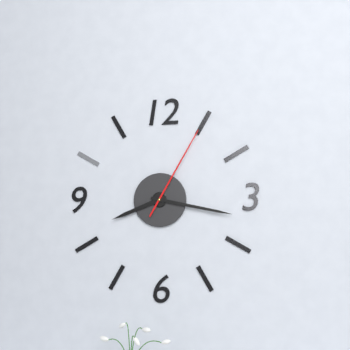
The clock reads {"hour": 8, "minute": 17, "second": 5}
